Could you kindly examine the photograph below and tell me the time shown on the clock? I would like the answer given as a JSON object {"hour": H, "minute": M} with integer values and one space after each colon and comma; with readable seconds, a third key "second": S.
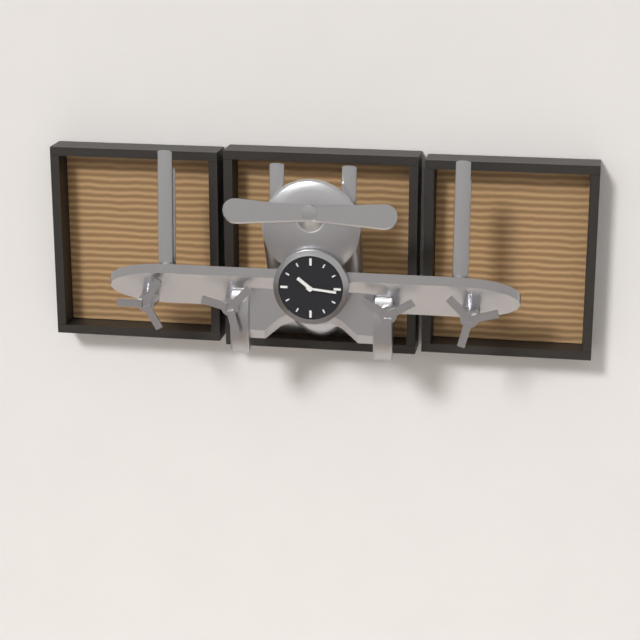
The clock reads {"hour": 10, "minute": 16}
